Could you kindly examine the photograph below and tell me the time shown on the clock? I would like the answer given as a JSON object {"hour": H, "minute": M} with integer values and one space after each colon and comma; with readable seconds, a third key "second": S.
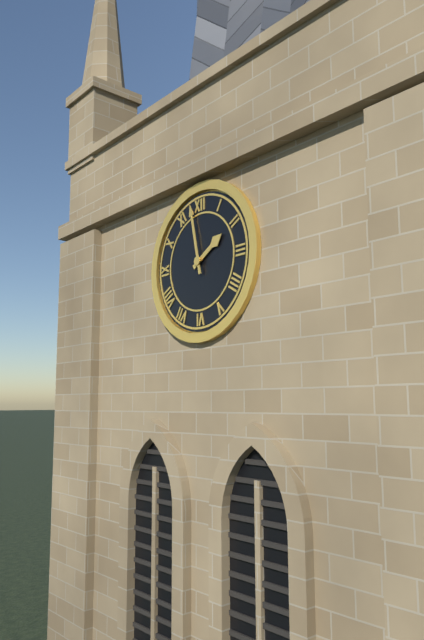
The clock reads {"hour": 1, "minute": 58}
